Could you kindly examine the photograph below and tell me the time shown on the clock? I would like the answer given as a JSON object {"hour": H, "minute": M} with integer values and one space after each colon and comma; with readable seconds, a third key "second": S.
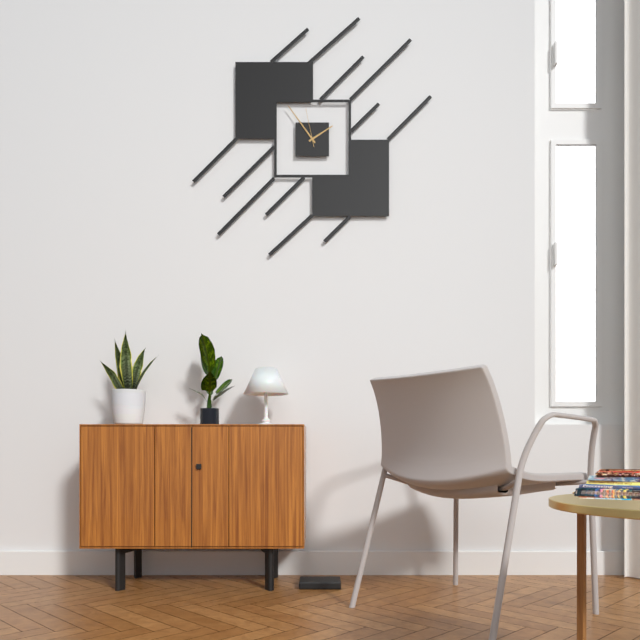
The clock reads {"hour": 1, "minute": 54}
